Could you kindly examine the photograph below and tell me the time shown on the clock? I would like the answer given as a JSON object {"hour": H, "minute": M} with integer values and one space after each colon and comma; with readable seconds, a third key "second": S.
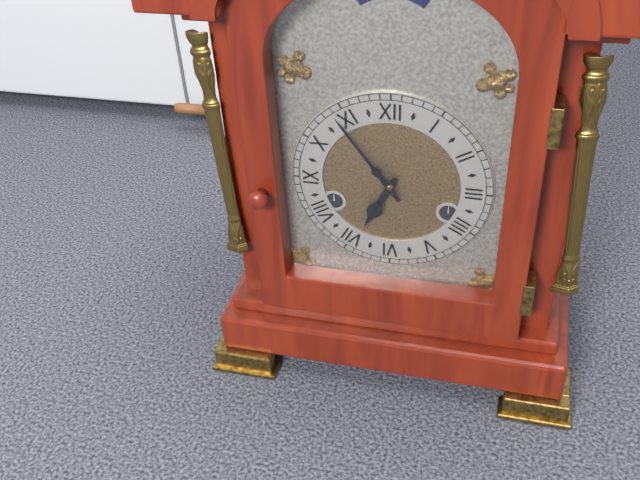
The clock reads {"hour": 6, "minute": 54}
